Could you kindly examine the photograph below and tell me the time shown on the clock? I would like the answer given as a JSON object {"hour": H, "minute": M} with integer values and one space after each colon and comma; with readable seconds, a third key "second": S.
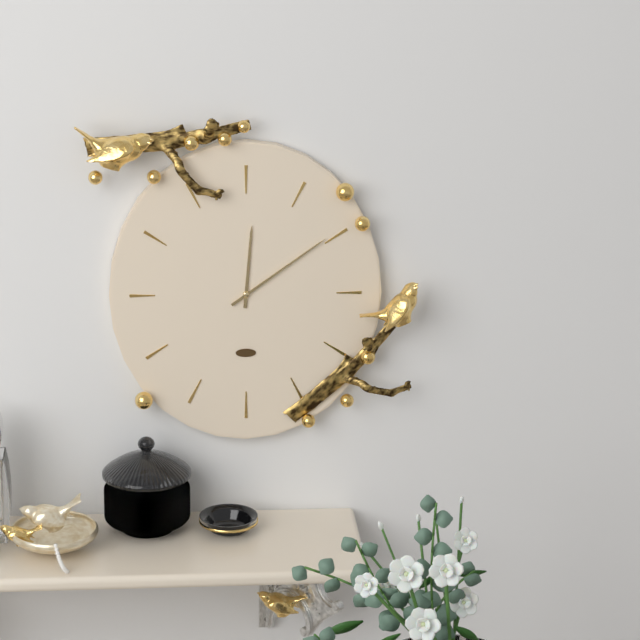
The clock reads {"hour": 12, "minute": 9}
